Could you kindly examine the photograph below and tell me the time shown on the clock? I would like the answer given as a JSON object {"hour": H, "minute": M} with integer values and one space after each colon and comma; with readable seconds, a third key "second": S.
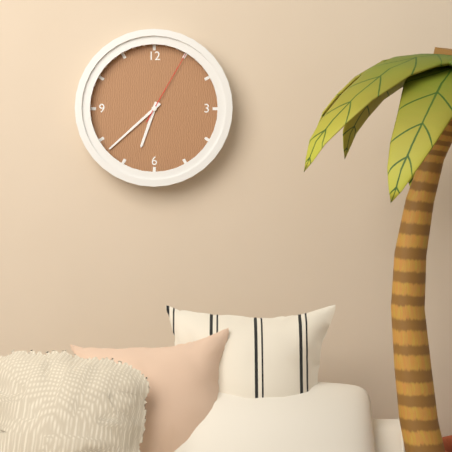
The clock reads {"hour": 6, "minute": 38, "second": 5}
